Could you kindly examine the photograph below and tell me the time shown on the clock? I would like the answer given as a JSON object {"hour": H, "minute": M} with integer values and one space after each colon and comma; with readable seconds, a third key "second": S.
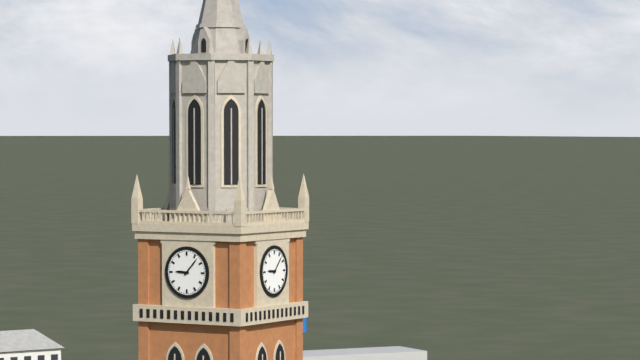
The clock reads {"hour": 9, "minute": 7}
